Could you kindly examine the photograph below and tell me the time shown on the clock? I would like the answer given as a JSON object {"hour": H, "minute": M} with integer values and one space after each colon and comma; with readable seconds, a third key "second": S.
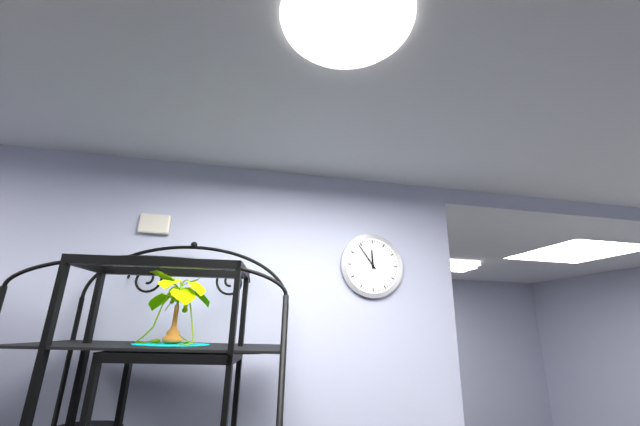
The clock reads {"hour": 11, "minute": 54}
